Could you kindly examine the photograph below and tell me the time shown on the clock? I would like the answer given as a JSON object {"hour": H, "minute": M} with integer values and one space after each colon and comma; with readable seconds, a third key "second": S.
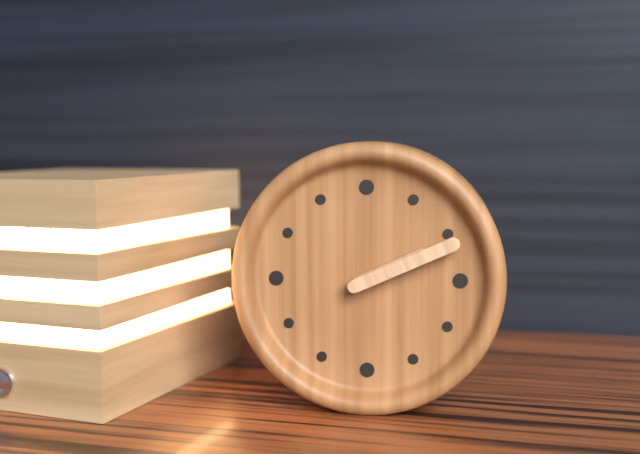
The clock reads {"hour": 2, "minute": 11}
